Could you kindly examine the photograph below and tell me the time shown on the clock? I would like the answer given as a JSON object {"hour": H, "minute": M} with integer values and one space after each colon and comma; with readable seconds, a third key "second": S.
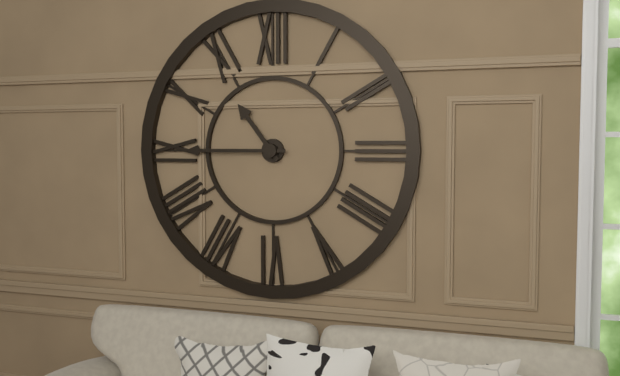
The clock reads {"hour": 10, "minute": 45}
